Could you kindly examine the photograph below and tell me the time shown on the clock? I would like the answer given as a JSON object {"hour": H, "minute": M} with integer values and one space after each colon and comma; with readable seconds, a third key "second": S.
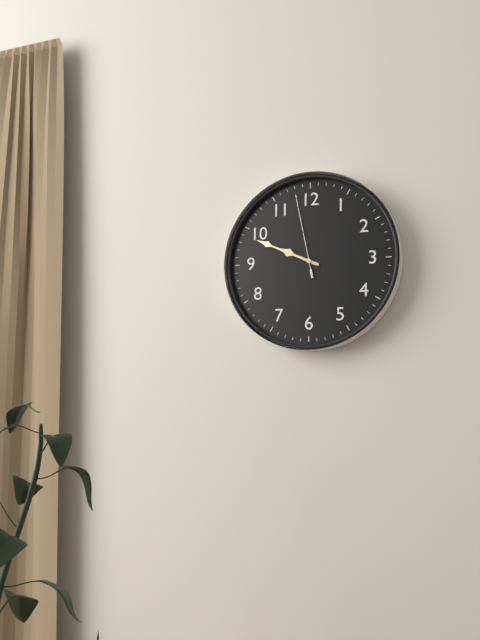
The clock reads {"hour": 9, "minute": 49, "second": 58}
